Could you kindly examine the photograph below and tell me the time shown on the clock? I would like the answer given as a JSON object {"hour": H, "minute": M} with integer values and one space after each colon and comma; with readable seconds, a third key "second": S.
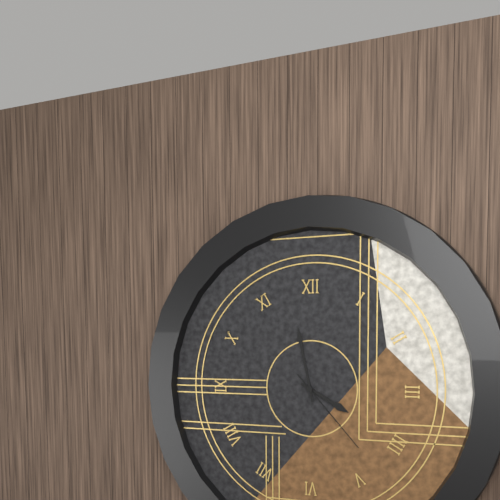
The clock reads {"hour": 3, "minute": 58, "second": 23}
